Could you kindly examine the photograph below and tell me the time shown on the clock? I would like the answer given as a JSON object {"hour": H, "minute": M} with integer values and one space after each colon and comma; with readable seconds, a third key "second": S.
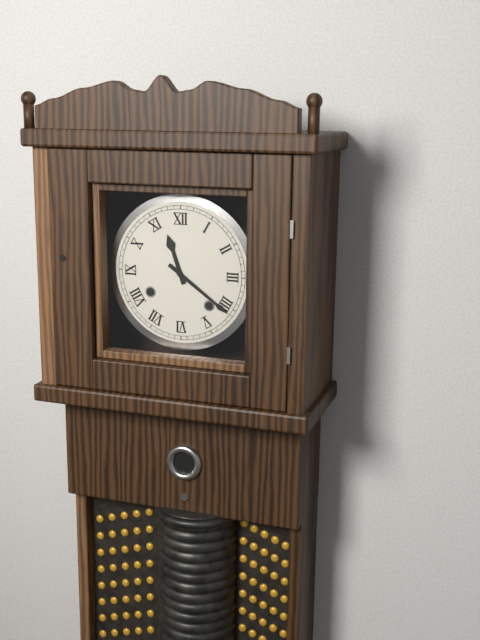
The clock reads {"hour": 11, "minute": 21}
